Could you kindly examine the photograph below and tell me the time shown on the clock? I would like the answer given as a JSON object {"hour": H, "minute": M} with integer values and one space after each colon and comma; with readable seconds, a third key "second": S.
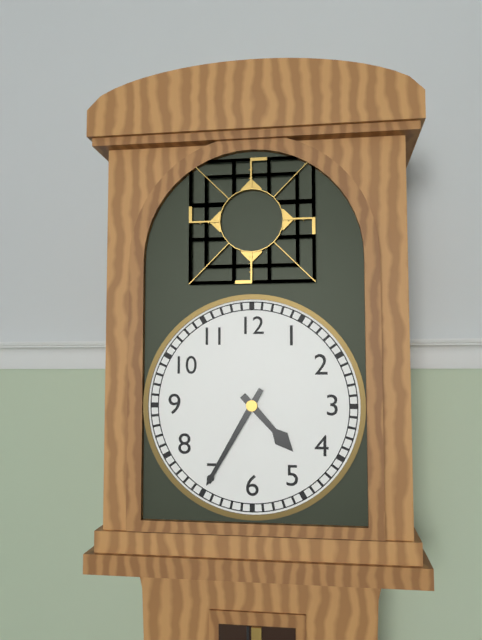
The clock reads {"hour": 4, "minute": 35}
